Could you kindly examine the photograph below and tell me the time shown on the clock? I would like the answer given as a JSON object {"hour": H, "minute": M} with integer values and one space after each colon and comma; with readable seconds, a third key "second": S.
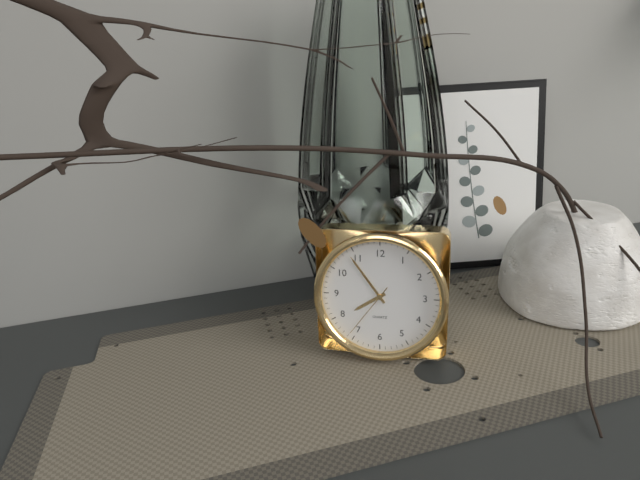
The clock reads {"hour": 7, "minute": 54, "second": 36}
